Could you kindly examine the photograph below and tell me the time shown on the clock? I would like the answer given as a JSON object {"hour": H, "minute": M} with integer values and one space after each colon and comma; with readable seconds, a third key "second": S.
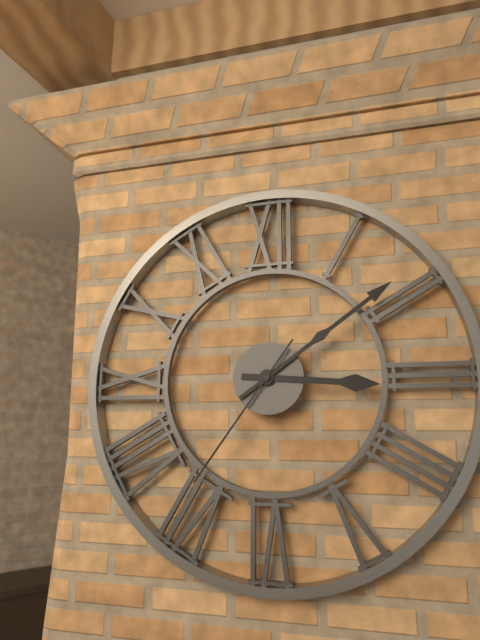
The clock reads {"hour": 3, "minute": 9, "second": 36}
